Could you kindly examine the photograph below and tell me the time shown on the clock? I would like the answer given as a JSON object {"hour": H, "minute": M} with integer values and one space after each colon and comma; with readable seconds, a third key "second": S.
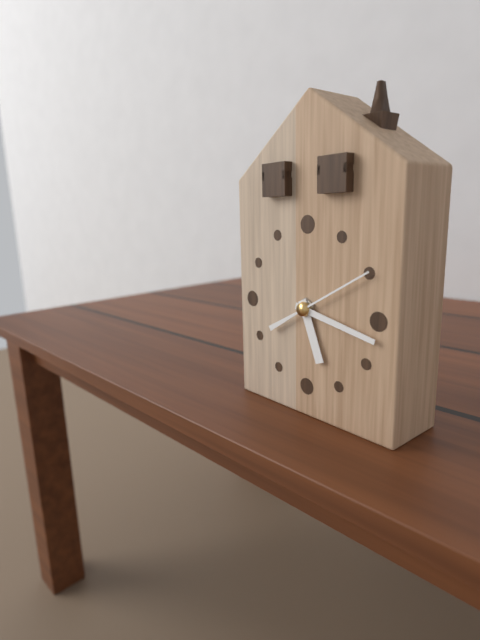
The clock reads {"hour": 5, "minute": 17, "second": 10}
